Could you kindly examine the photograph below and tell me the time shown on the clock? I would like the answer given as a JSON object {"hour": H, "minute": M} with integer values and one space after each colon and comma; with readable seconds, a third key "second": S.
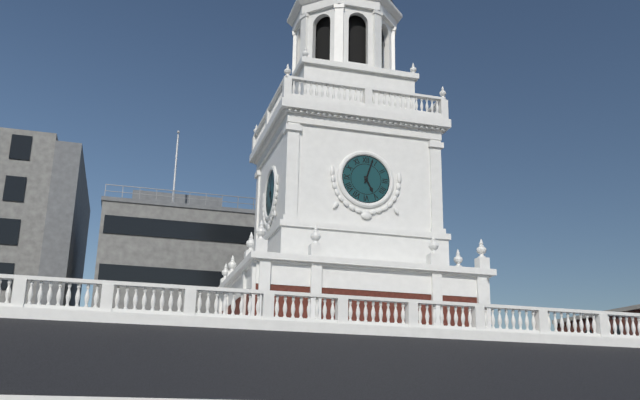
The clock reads {"hour": 5, "minute": 3}
